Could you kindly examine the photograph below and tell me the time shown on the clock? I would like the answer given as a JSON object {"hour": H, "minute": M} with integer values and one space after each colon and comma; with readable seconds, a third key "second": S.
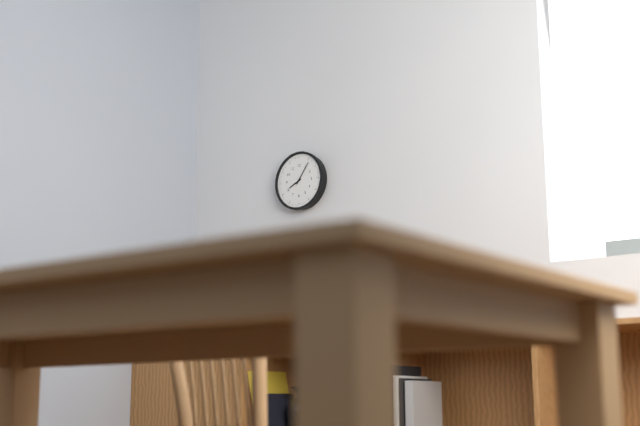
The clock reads {"hour": 8, "minute": 6}
